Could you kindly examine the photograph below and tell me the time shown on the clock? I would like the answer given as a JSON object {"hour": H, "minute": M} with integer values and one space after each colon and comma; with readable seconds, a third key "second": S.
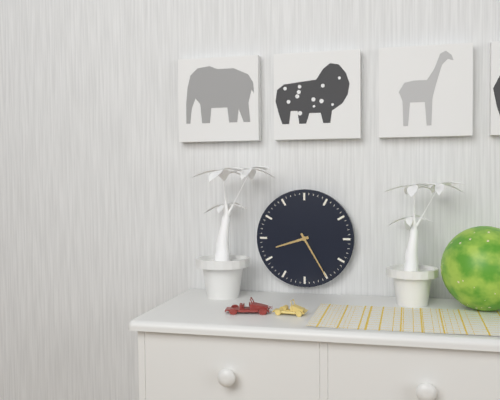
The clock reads {"hour": 8, "minute": 25}
